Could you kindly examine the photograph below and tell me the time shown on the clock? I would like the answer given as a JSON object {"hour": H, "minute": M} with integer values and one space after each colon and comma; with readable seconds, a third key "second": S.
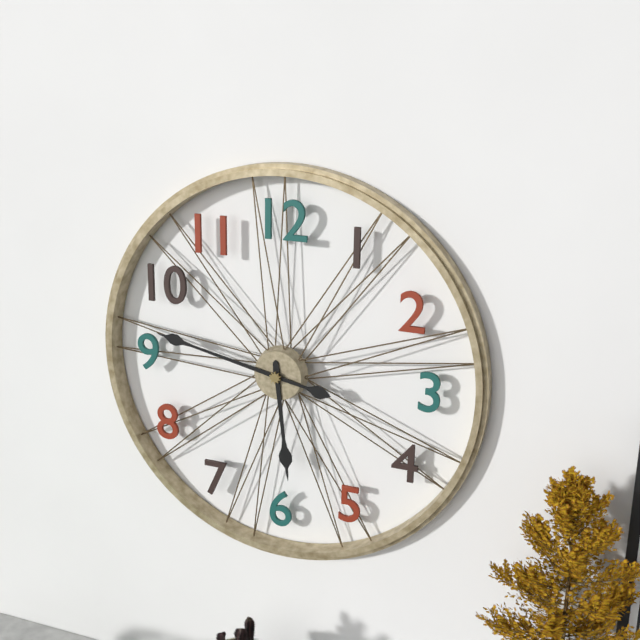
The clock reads {"hour": 5, "minute": 47}
